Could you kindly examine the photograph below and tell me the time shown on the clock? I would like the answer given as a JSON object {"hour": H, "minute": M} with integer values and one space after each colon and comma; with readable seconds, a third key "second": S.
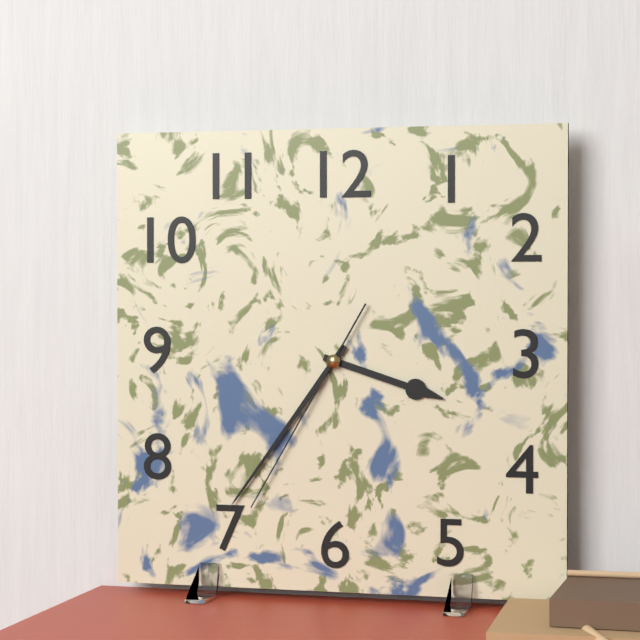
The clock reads {"hour": 3, "minute": 36, "second": 35}
